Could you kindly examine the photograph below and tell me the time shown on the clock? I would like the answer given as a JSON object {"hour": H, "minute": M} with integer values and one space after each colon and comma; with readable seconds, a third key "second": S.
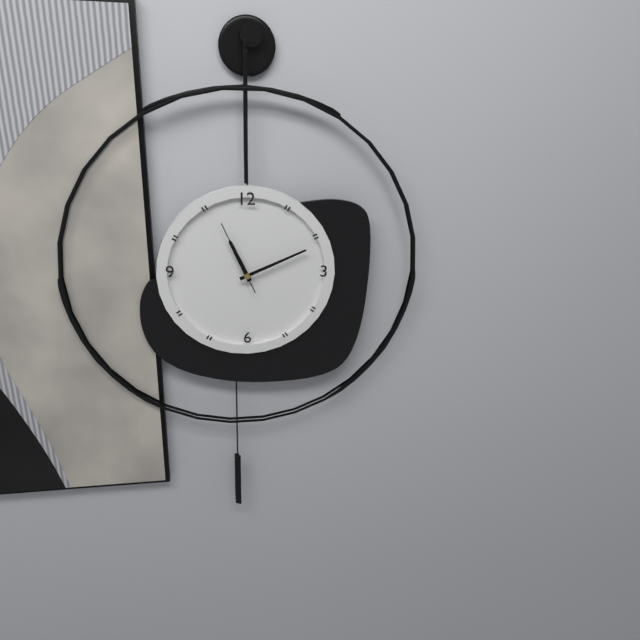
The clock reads {"hour": 11, "minute": 11, "second": 56}
